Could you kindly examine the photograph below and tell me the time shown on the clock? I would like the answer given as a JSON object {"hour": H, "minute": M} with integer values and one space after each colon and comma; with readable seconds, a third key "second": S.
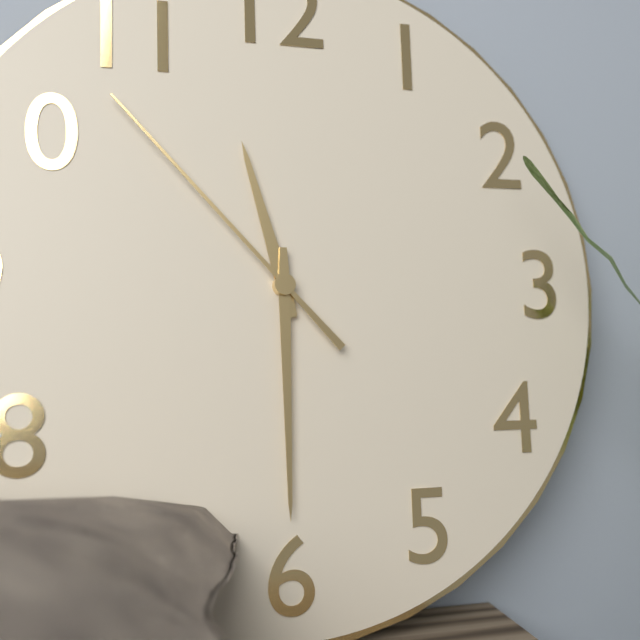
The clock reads {"hour": 11, "minute": 30, "second": 53}
